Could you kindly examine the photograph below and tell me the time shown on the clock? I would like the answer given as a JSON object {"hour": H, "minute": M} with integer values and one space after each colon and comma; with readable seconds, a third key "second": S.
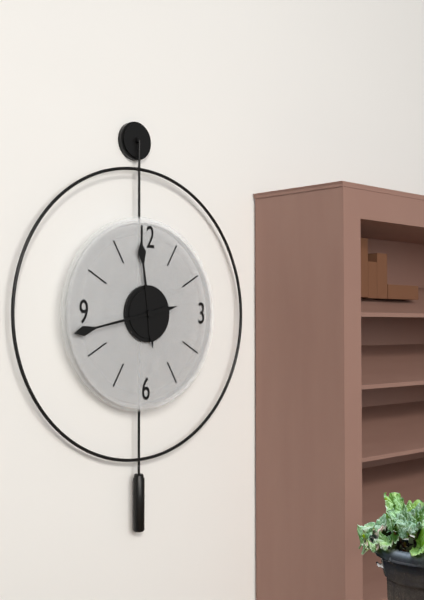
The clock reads {"hour": 11, "minute": 43}
